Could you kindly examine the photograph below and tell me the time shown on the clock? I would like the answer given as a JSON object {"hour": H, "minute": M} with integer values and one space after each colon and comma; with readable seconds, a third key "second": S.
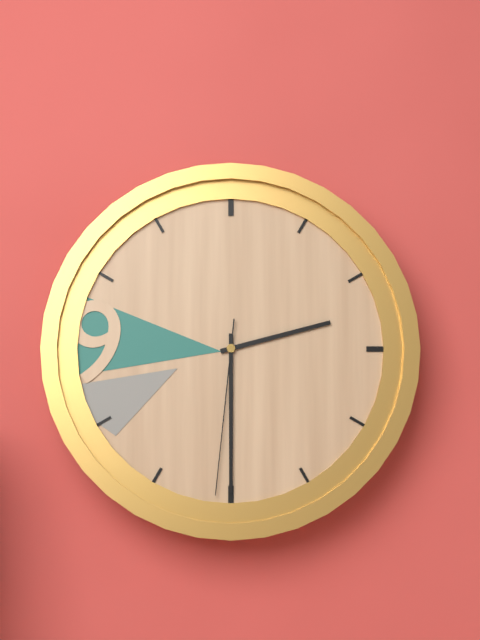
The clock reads {"hour": 2, "minute": 30, "second": 31}
